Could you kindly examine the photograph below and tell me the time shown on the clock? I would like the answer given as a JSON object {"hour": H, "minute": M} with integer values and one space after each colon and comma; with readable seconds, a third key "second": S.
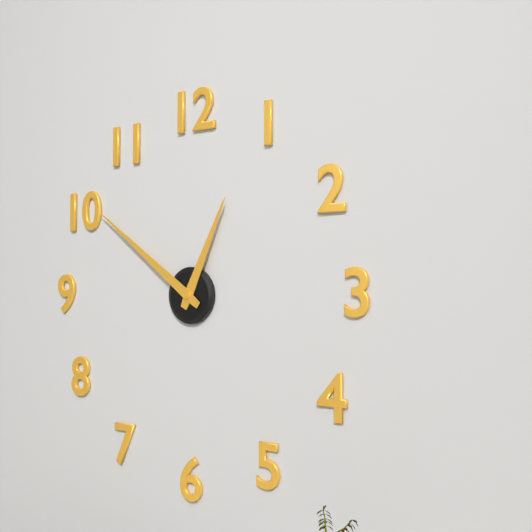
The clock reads {"hour": 12, "minute": 51}
